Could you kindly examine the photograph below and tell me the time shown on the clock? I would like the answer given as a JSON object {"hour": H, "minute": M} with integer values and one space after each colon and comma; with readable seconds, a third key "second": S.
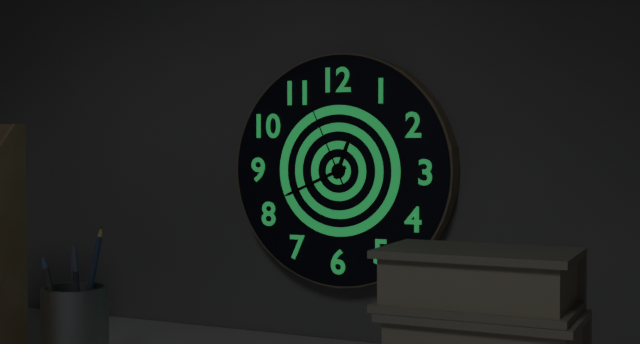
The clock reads {"hour": 12, "minute": 41, "second": 56}
